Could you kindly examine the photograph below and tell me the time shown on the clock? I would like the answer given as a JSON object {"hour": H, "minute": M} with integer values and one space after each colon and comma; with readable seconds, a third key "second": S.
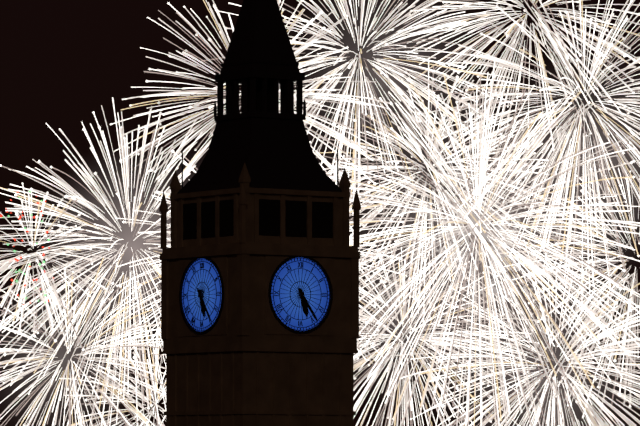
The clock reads {"hour": 5, "minute": 24}
